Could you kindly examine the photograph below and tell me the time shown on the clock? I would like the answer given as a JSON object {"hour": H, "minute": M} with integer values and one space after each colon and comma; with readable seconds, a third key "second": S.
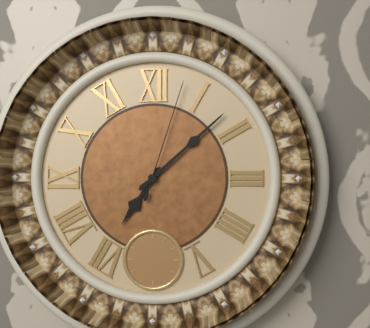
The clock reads {"hour": 7, "minute": 8, "second": 3}
